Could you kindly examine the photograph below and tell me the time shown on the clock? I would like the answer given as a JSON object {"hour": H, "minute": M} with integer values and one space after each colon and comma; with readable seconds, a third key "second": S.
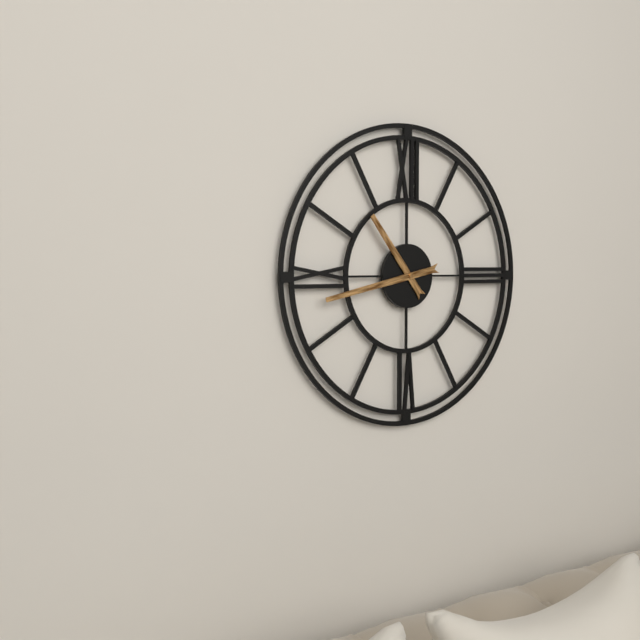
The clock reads {"hour": 10, "minute": 43}
